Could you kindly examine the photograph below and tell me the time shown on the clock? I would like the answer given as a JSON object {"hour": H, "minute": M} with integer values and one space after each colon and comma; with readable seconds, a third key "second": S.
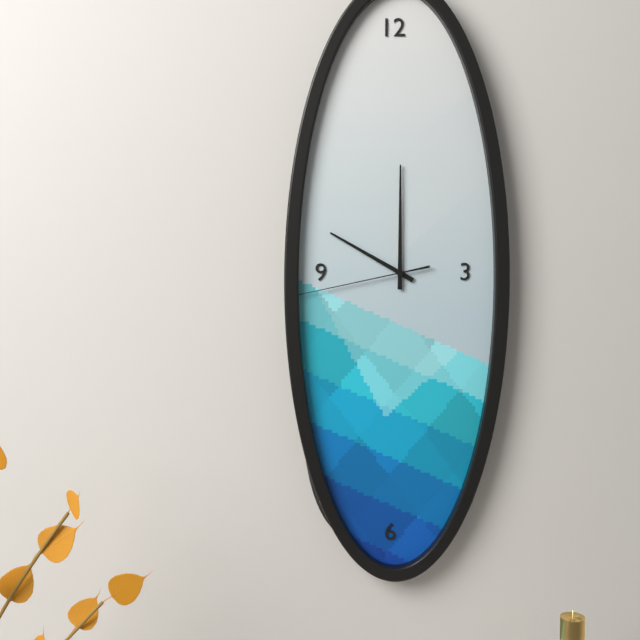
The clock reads {"hour": 10, "minute": 0, "second": 43}
